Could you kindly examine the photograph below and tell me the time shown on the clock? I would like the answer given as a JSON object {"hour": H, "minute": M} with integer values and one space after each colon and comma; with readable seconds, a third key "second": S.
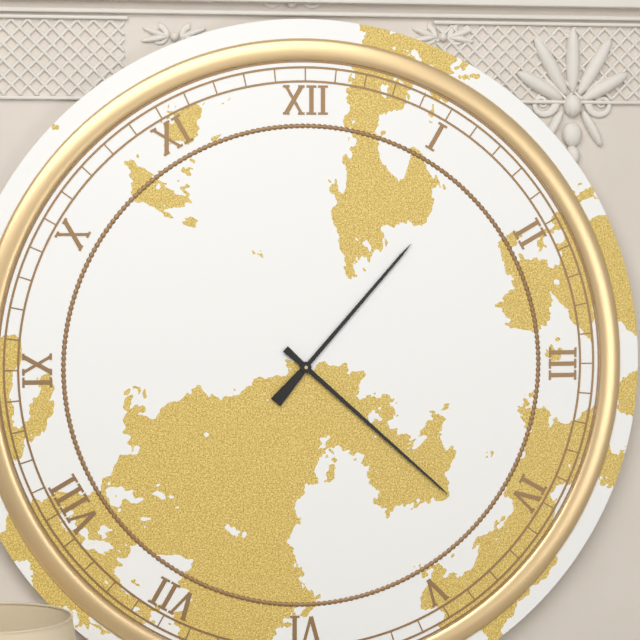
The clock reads {"hour": 1, "minute": 22}
